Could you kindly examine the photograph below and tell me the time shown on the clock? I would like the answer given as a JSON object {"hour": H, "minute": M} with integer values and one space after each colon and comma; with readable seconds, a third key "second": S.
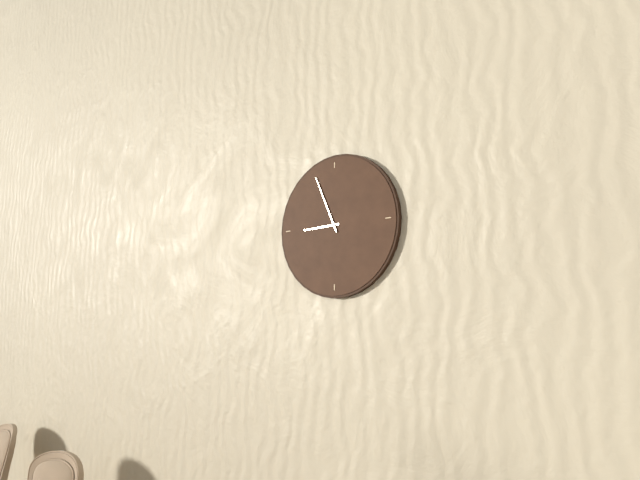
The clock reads {"hour": 8, "minute": 56}
